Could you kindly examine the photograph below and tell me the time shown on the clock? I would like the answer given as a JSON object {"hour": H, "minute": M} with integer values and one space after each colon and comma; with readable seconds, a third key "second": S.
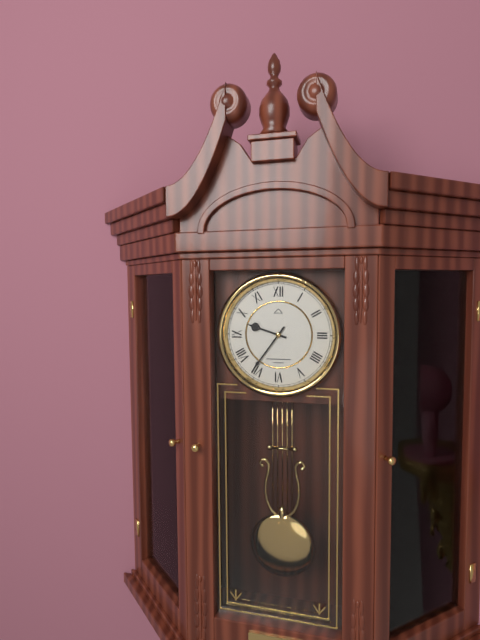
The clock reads {"hour": 9, "minute": 36}
